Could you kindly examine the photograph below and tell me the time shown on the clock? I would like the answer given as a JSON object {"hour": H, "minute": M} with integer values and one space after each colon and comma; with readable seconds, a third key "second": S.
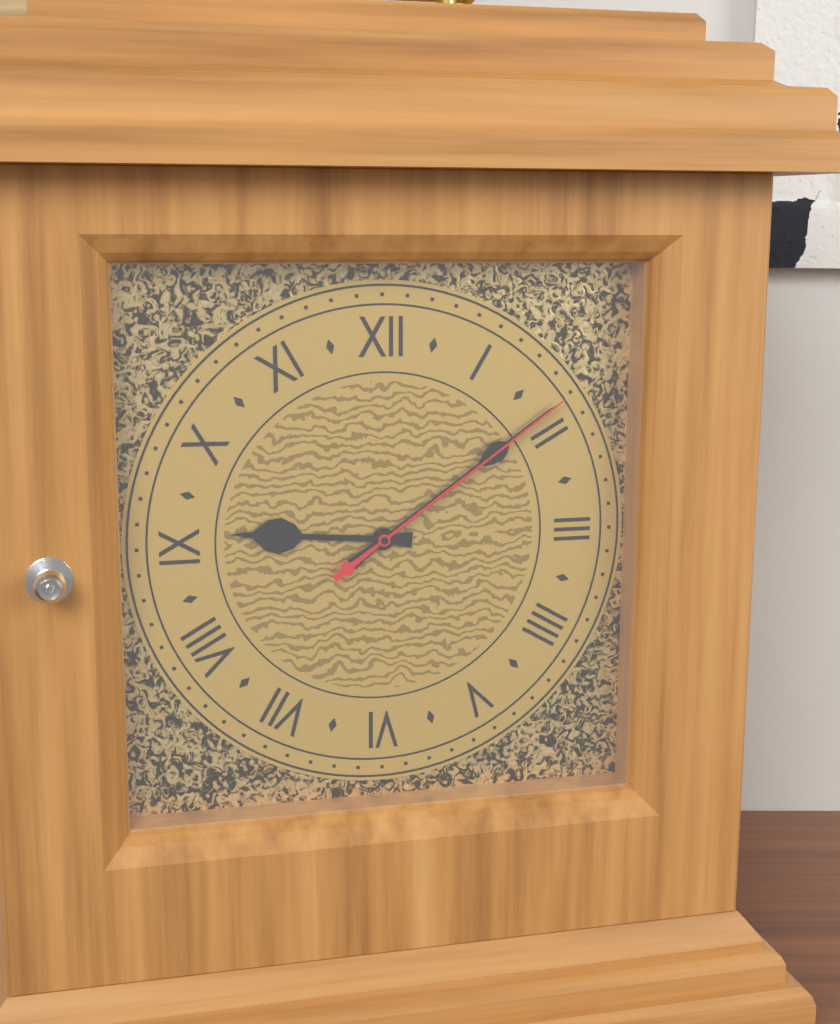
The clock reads {"hour": 9, "minute": 9, "second": 9}
